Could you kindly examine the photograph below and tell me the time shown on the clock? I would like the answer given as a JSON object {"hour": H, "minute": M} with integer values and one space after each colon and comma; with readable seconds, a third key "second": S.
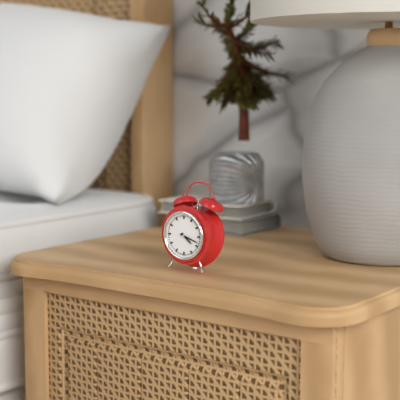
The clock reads {"hour": 4, "minute": 18}
